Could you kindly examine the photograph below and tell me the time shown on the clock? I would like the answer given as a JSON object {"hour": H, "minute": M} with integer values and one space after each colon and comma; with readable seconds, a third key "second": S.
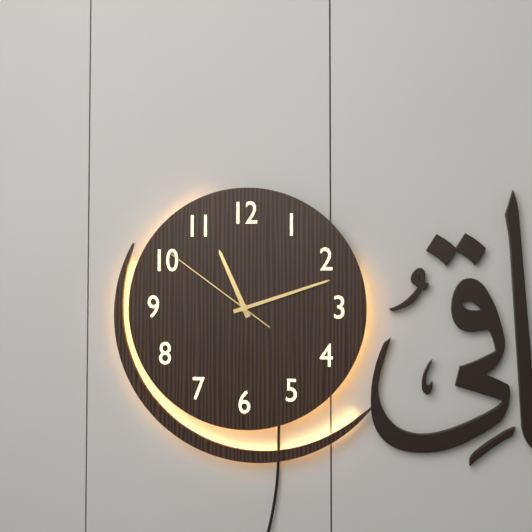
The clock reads {"hour": 11, "minute": 12, "second": 51}
